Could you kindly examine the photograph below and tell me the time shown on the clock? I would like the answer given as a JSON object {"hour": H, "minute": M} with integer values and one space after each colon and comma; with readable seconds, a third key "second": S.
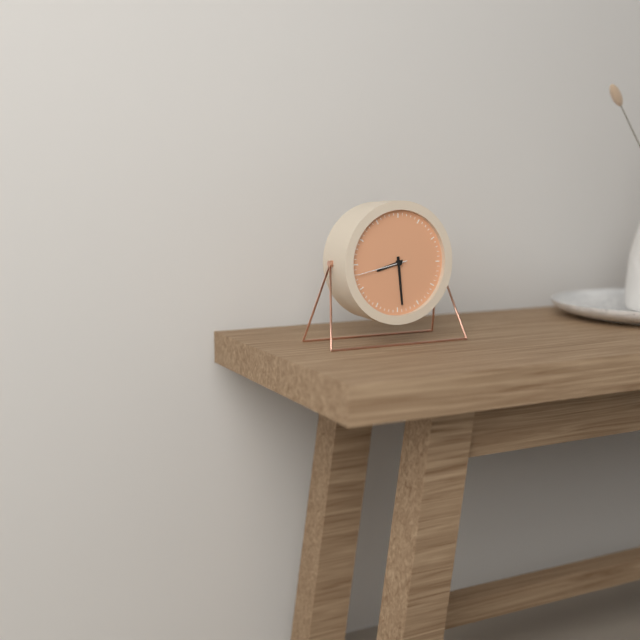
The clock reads {"hour": 8, "minute": 29, "second": 43}
